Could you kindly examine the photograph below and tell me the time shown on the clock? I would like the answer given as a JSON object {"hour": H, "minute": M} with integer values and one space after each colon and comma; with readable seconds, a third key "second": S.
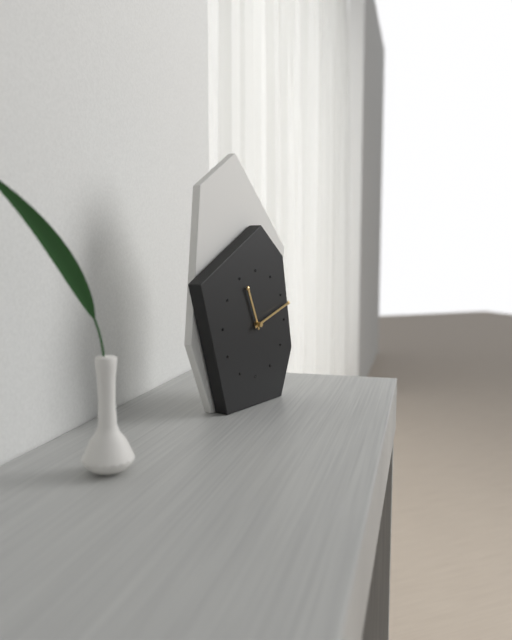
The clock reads {"hour": 11, "minute": 12}
